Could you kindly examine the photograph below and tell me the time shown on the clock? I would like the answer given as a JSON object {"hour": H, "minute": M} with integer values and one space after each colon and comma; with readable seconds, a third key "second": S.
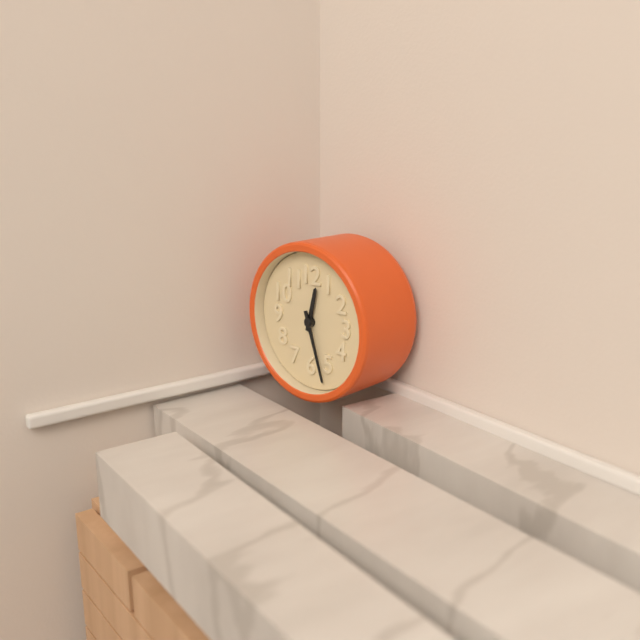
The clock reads {"hour": 12, "minute": 27}
